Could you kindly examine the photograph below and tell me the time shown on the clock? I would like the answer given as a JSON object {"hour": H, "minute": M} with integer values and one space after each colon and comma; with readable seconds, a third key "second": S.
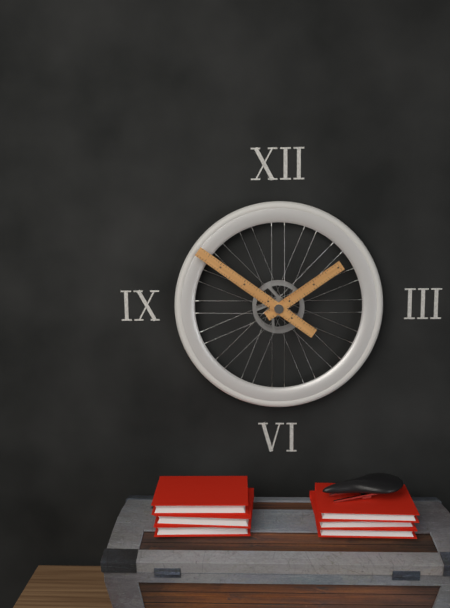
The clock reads {"hour": 1, "minute": 51}
